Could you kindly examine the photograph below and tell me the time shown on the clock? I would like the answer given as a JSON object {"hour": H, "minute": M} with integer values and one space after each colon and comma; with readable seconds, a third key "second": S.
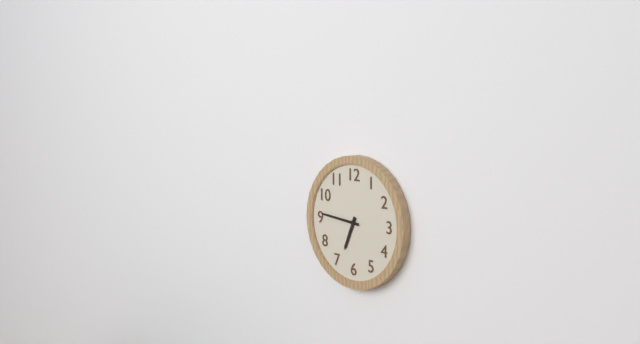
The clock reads {"hour": 6, "minute": 46}
